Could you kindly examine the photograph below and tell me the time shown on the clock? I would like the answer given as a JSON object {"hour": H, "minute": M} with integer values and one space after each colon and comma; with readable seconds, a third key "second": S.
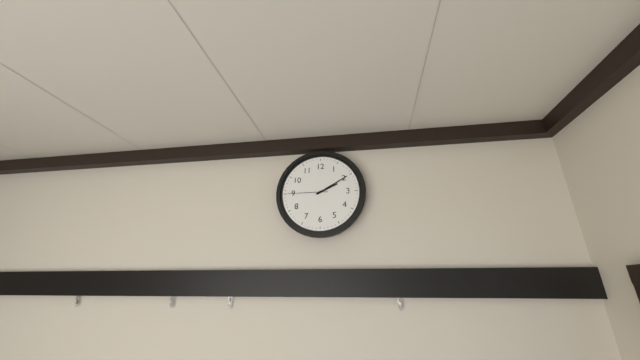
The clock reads {"hour": 2, "minute": 10}
